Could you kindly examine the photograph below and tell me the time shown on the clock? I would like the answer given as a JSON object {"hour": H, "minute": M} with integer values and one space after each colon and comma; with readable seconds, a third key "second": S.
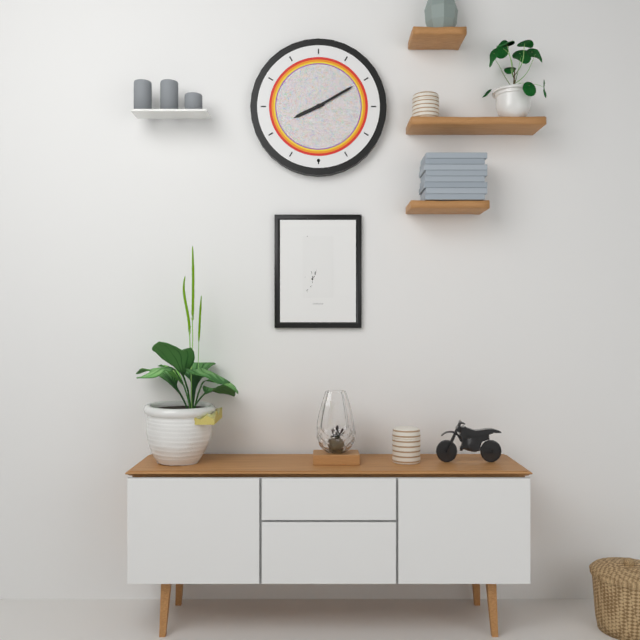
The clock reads {"hour": 8, "minute": 10}
